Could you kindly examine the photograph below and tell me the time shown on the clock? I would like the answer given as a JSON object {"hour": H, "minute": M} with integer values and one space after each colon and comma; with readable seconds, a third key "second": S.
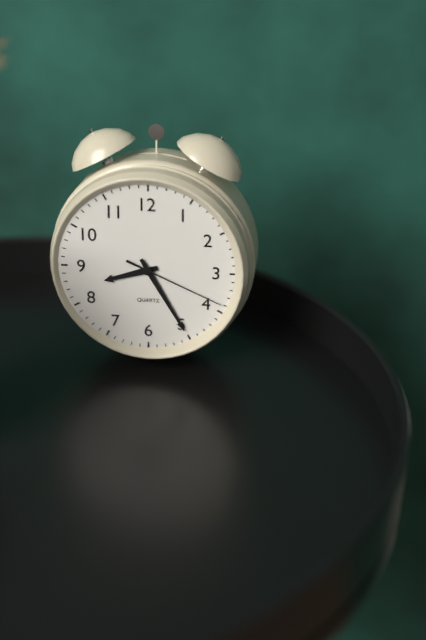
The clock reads {"hour": 8, "minute": 25, "second": 19}
